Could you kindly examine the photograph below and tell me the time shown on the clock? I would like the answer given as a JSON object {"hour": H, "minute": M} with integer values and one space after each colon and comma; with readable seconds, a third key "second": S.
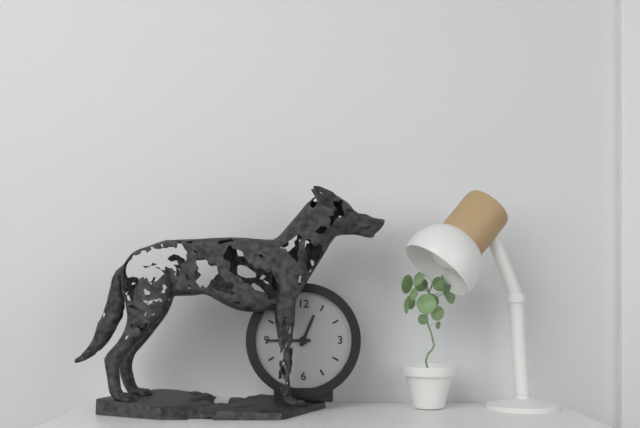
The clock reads {"hour": 12, "minute": 45}
